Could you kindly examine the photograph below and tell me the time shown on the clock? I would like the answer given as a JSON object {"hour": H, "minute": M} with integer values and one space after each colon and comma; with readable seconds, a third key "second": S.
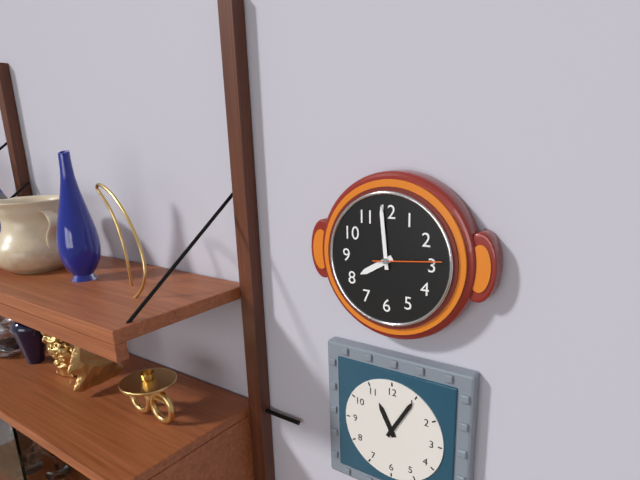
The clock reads {"hour": 7, "minute": 59, "second": 14}
